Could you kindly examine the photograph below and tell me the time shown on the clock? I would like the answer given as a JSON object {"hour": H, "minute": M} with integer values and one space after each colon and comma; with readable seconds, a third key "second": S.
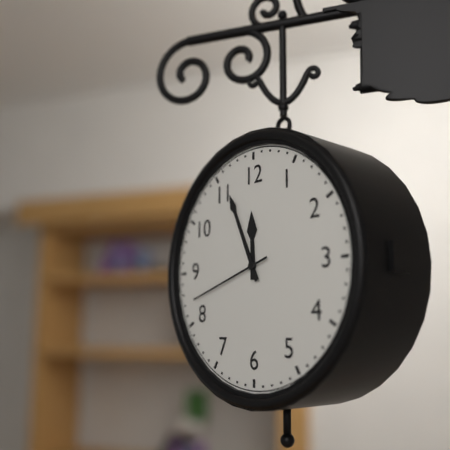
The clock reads {"hour": 11, "minute": 56, "second": 42}
